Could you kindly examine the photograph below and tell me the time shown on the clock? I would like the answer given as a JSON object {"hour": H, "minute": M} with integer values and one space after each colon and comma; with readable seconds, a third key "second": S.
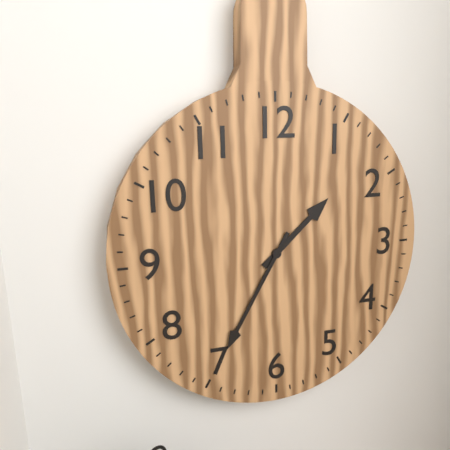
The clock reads {"hour": 1, "minute": 35}
